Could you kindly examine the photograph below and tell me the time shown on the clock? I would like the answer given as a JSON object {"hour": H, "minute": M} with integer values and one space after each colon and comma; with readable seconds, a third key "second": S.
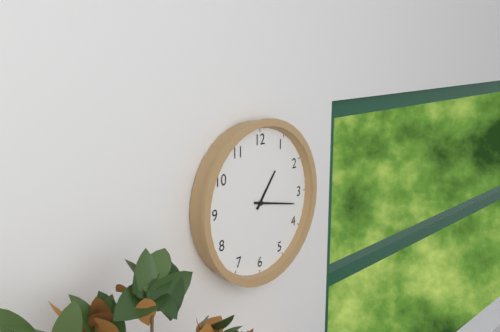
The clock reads {"hour": 1, "minute": 17}
